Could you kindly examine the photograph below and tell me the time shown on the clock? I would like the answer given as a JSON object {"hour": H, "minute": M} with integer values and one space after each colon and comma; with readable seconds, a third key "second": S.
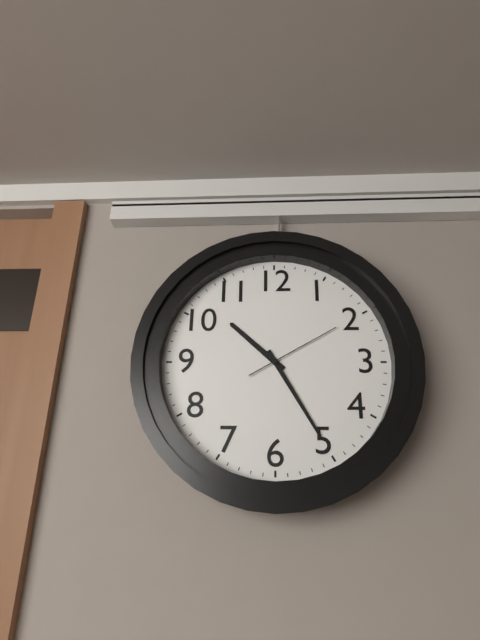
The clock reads {"hour": 10, "minute": 25, "second": 10}
